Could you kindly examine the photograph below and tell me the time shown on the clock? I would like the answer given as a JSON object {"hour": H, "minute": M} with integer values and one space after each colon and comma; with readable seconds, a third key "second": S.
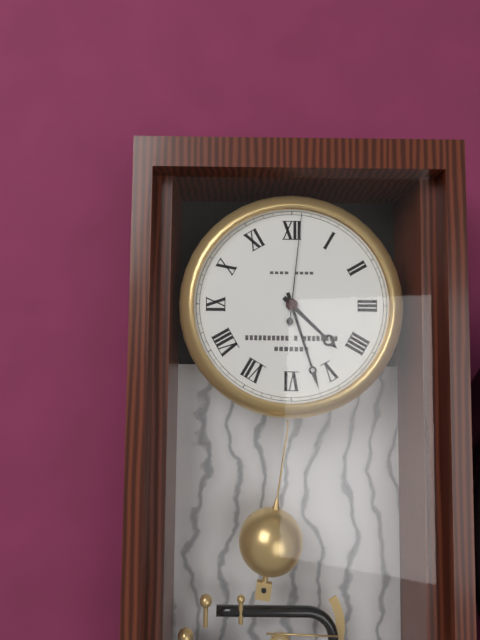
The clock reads {"hour": 4, "minute": 27, "second": 1}
